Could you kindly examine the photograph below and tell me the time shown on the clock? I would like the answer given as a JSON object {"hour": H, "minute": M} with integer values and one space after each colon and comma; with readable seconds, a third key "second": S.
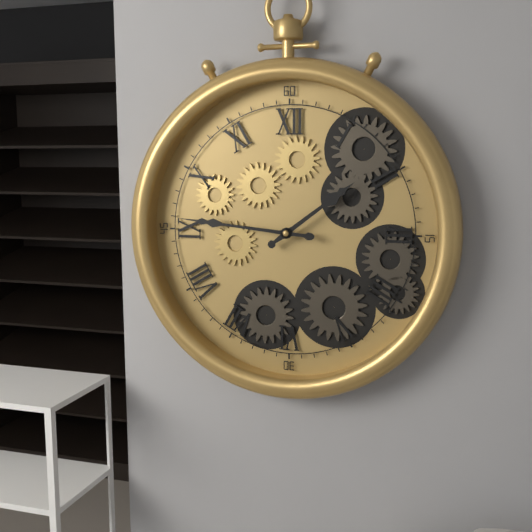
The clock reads {"hour": 1, "minute": 46}
